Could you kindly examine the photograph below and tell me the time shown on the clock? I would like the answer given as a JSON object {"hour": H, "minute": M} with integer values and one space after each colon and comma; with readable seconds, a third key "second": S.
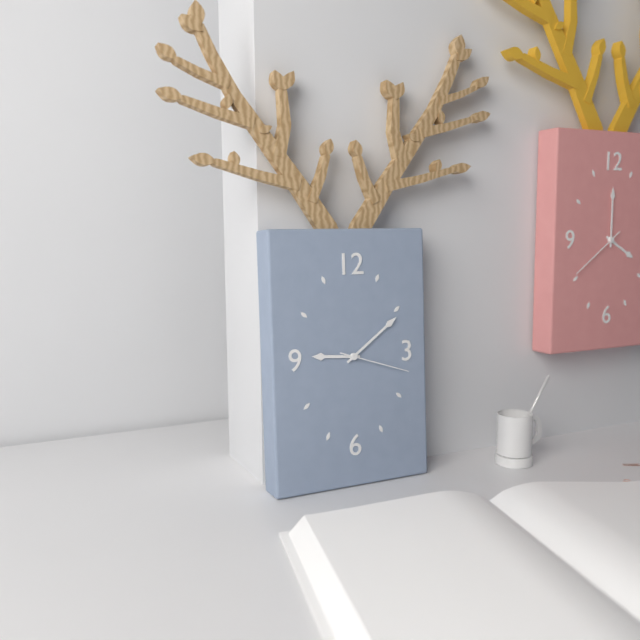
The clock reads {"hour": 9, "minute": 9, "second": 18}
